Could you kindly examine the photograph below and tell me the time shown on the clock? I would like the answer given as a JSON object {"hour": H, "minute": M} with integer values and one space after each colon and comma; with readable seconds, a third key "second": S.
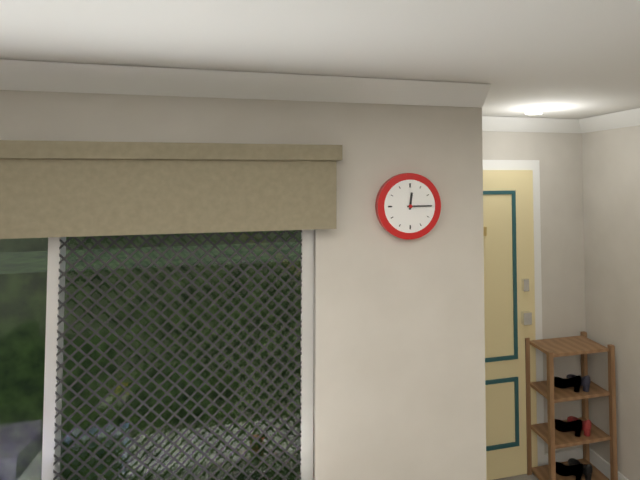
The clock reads {"hour": 12, "minute": 15}
